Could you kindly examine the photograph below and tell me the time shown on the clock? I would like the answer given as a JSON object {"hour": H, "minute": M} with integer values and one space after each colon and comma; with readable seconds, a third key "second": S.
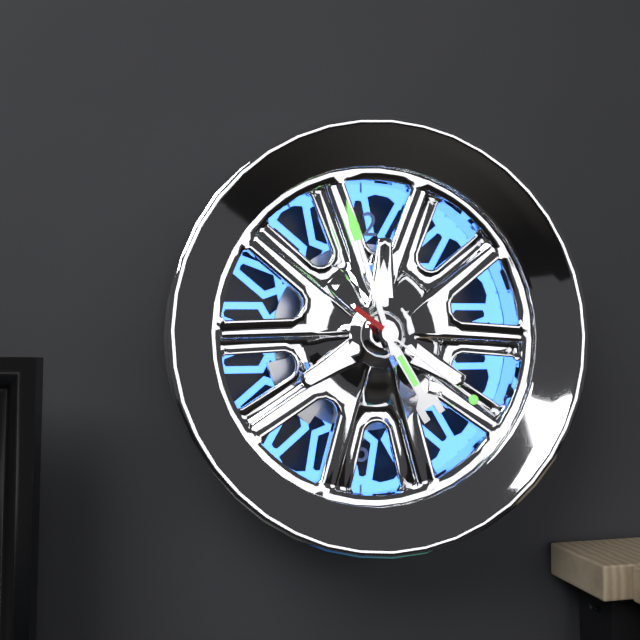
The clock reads {"hour": 4, "minute": 57, "second": 21}
